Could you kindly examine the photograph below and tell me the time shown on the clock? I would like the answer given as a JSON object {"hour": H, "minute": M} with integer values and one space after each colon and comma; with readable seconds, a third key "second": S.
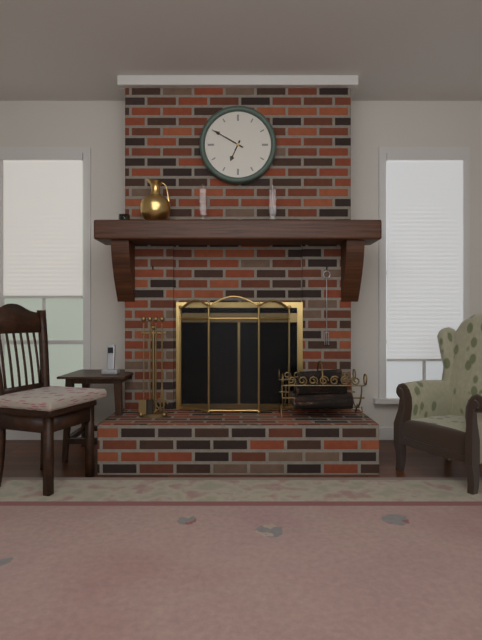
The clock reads {"hour": 6, "minute": 50}
